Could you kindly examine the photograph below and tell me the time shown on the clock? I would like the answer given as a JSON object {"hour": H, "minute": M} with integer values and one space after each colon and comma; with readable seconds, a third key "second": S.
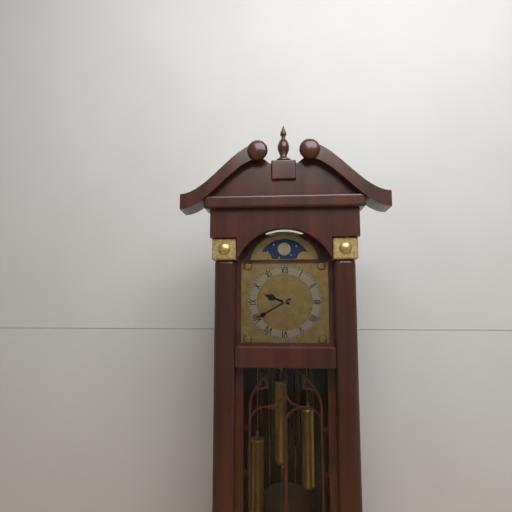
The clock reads {"hour": 9, "minute": 40}
